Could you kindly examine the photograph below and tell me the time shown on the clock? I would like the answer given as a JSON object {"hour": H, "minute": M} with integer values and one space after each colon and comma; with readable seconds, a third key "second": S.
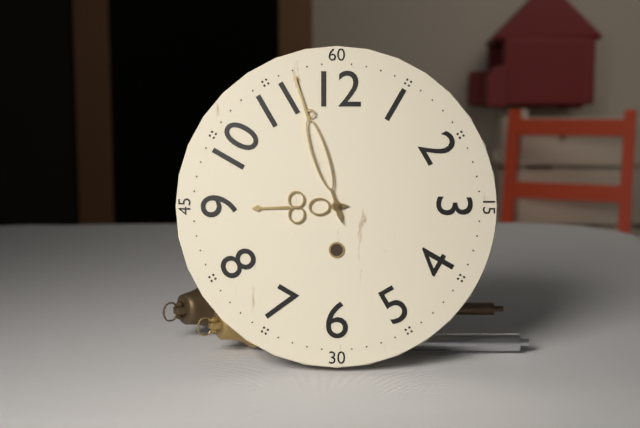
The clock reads {"hour": 8, "minute": 57}
